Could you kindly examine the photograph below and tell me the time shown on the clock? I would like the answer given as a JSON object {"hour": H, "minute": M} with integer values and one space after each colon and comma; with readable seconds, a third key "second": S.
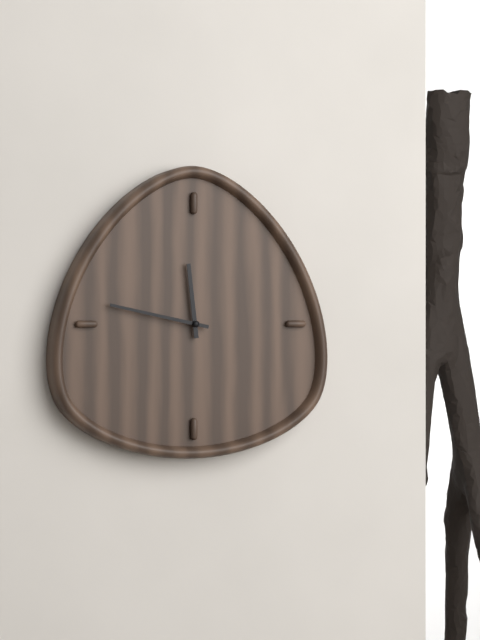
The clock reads {"hour": 11, "minute": 47}
